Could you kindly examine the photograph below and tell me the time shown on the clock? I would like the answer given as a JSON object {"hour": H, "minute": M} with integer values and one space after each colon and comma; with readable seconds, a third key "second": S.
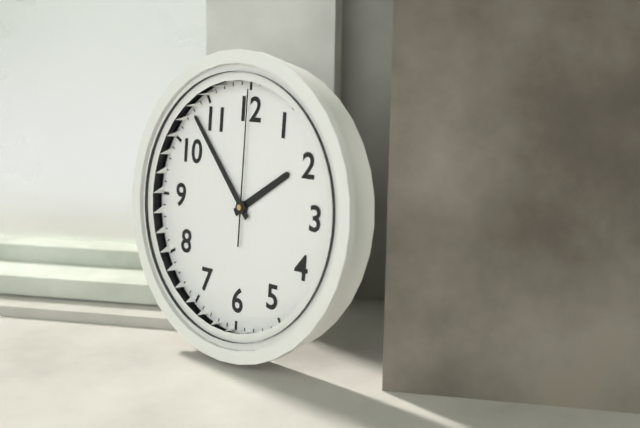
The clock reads {"hour": 1, "minute": 53, "second": 0}
